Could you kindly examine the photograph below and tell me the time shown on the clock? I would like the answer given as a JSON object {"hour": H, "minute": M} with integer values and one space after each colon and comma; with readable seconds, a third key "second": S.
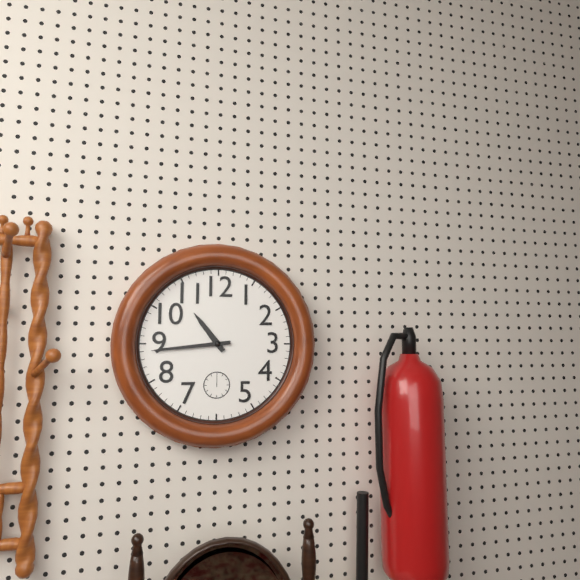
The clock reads {"hour": 10, "minute": 44}
